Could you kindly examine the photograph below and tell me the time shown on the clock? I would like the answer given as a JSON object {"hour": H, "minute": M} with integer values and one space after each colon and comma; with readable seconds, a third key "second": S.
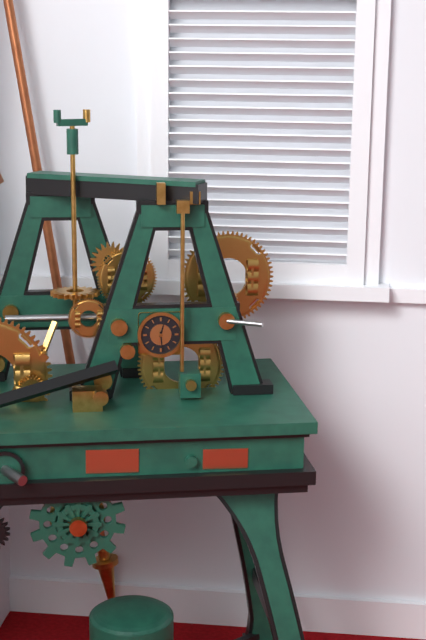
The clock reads {"hour": 12, "minute": 29}
